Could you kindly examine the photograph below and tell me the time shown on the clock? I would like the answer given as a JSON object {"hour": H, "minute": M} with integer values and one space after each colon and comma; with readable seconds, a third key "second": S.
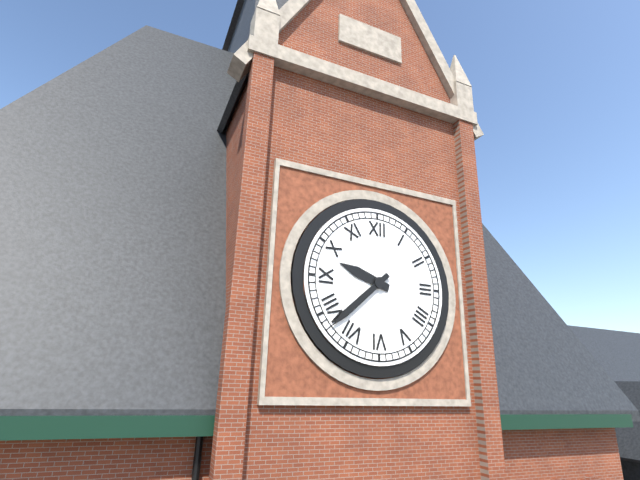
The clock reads {"hour": 9, "minute": 38}
